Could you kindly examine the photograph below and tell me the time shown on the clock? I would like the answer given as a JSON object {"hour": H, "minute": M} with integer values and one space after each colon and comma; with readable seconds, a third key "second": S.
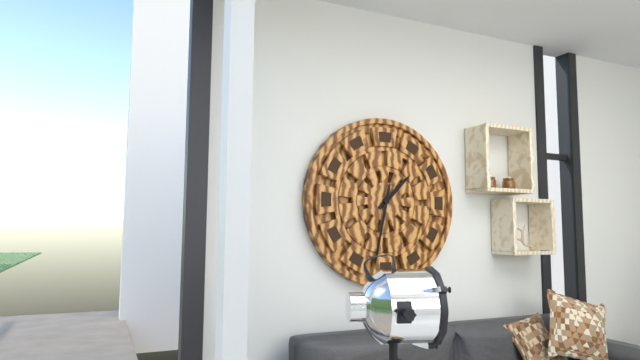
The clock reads {"hour": 1, "minute": 32}
